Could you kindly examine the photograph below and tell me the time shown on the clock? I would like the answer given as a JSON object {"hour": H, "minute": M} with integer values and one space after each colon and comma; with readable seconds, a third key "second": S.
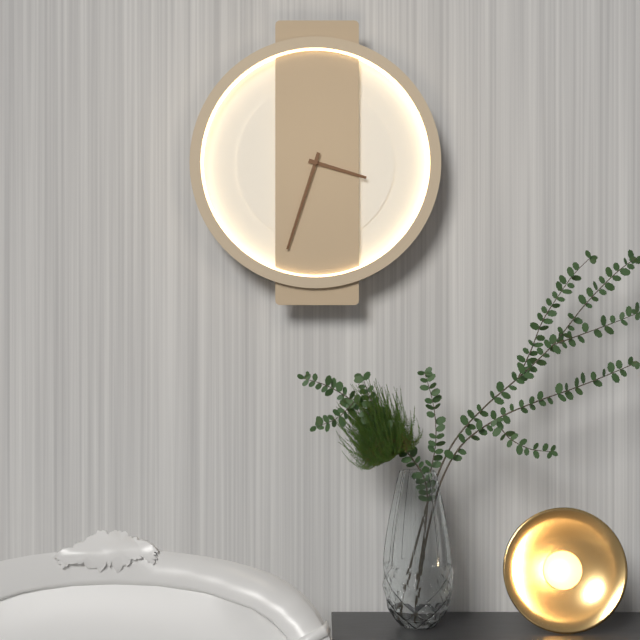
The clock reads {"hour": 3, "minute": 33}
